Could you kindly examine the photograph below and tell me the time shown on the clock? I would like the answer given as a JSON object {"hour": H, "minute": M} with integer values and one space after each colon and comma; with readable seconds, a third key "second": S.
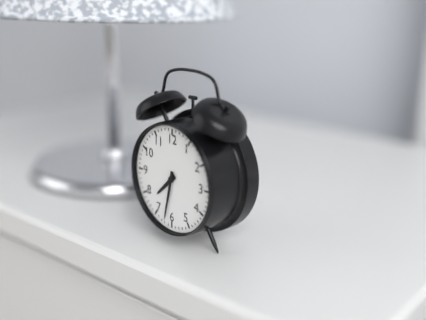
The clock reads {"hour": 7, "minute": 32}
